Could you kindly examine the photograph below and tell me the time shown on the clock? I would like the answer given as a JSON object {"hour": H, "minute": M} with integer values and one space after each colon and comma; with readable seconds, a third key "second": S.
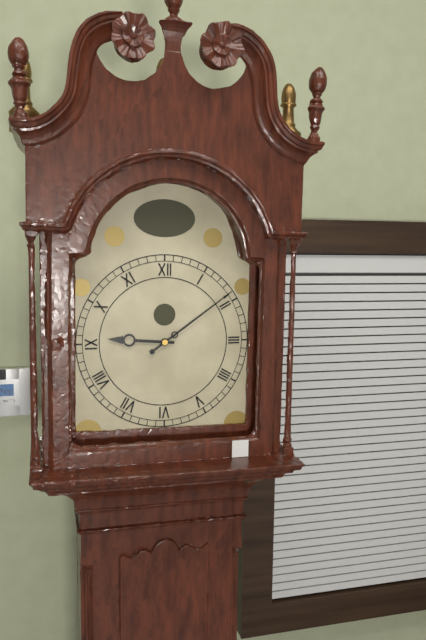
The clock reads {"hour": 9, "minute": 9}
